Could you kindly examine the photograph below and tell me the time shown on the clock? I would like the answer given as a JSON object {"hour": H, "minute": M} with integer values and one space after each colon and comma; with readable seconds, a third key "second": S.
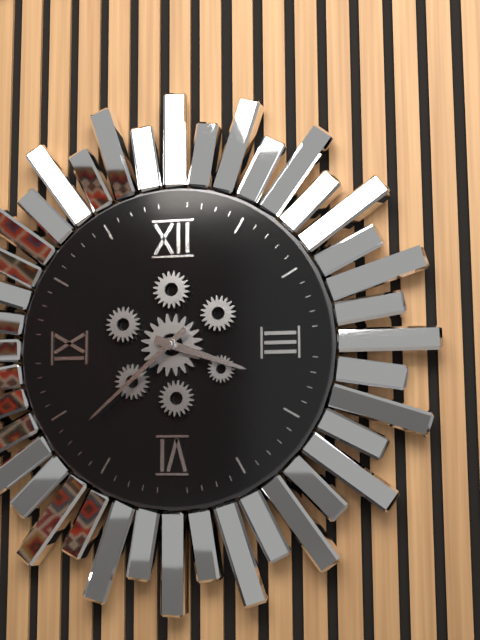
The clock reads {"hour": 3, "minute": 38}
